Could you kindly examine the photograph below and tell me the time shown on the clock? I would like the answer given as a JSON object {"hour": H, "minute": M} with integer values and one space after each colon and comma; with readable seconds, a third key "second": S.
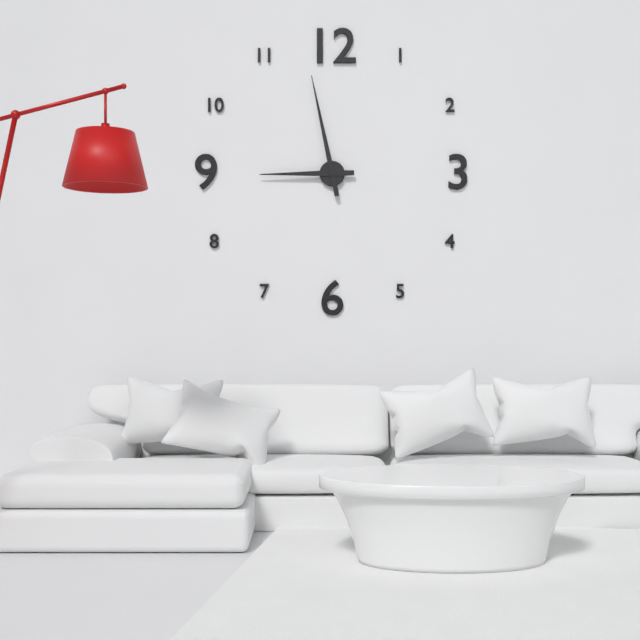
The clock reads {"hour": 8, "minute": 58}
